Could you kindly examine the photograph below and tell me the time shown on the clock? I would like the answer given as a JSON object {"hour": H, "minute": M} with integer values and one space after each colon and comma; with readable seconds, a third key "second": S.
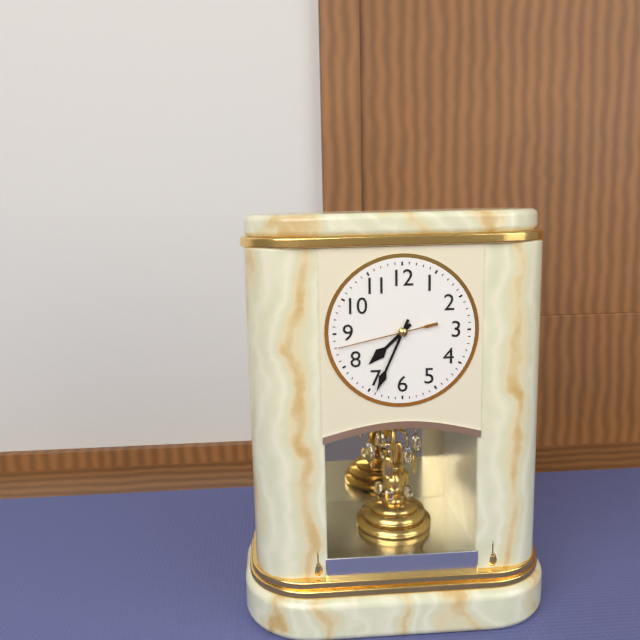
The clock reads {"hour": 7, "minute": 34, "second": 43}
